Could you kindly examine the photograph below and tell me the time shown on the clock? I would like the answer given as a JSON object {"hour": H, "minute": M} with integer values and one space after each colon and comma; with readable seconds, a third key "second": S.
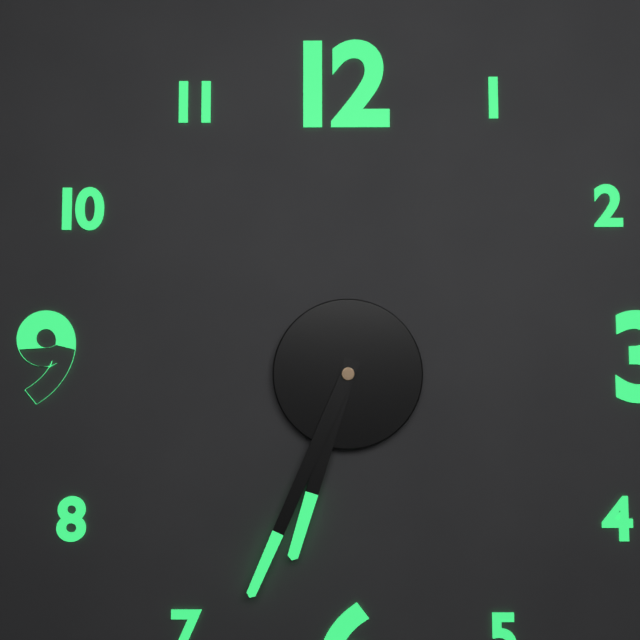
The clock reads {"hour": 6, "minute": 34}
